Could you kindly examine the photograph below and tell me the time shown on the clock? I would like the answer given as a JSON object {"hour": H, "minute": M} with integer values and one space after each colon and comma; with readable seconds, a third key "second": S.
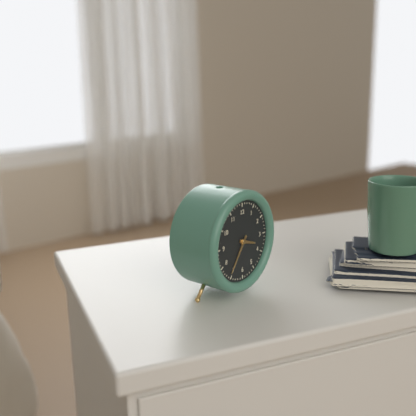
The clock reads {"hour": 3, "minute": 36}
